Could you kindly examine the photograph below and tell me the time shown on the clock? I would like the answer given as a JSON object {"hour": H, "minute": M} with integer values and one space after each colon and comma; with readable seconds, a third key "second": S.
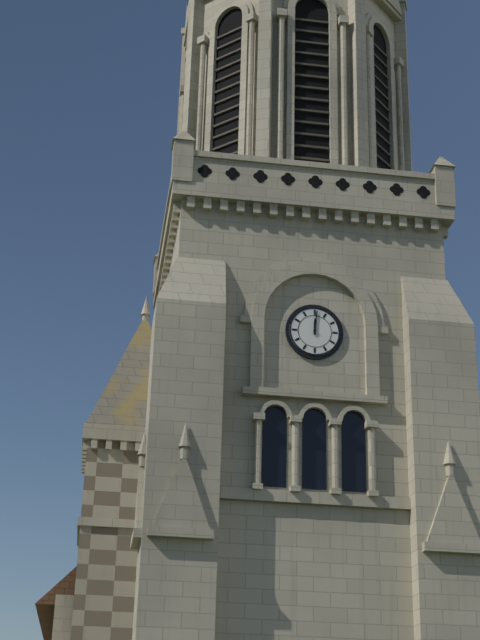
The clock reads {"hour": 12, "minute": 1}
